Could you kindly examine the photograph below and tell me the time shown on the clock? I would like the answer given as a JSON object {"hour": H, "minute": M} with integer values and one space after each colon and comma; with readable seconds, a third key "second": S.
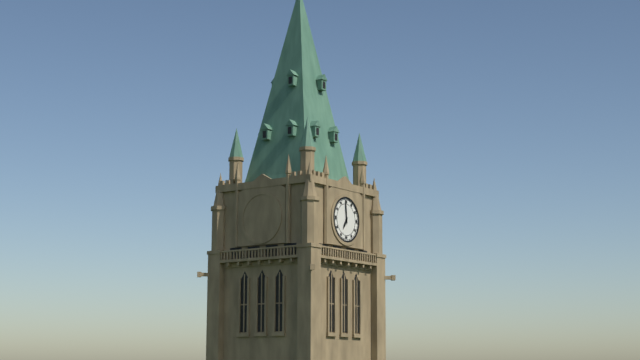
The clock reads {"hour": 6, "minute": 59}
